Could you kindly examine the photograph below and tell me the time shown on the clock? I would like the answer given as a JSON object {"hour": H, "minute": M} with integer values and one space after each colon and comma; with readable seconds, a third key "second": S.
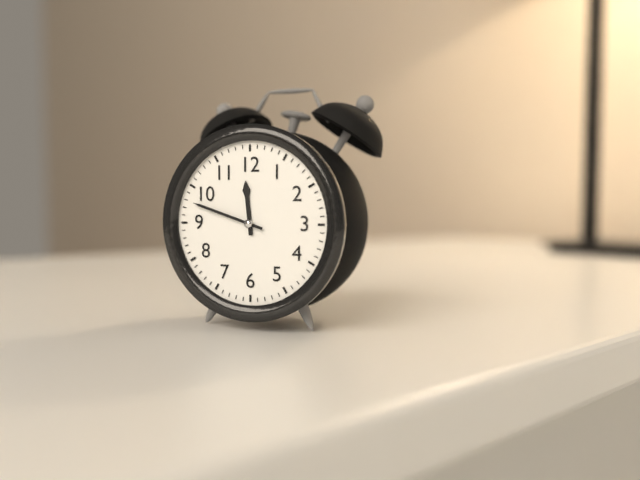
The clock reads {"hour": 11, "minute": 48}
